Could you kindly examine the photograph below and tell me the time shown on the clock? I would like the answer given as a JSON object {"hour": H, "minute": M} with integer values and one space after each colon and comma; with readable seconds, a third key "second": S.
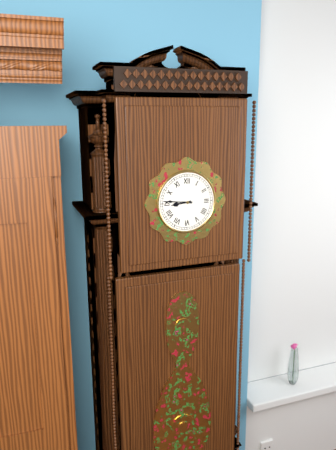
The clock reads {"hour": 8, "minute": 46}
